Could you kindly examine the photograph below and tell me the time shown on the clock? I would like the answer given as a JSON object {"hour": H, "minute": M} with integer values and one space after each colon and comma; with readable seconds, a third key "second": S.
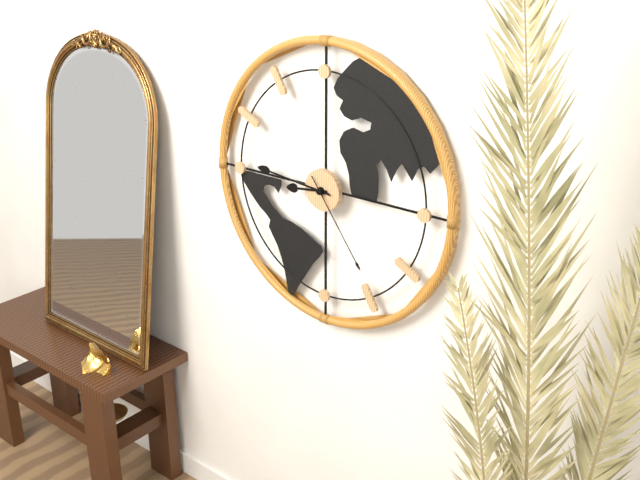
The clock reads {"hour": 8, "minute": 46, "second": 24}
